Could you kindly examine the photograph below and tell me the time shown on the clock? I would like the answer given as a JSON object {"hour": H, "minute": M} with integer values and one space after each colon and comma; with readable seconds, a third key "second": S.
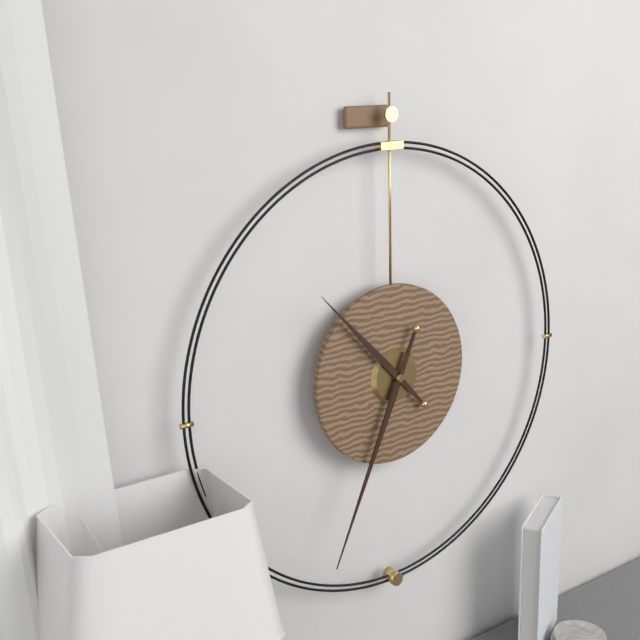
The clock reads {"hour": 10, "minute": 34}
